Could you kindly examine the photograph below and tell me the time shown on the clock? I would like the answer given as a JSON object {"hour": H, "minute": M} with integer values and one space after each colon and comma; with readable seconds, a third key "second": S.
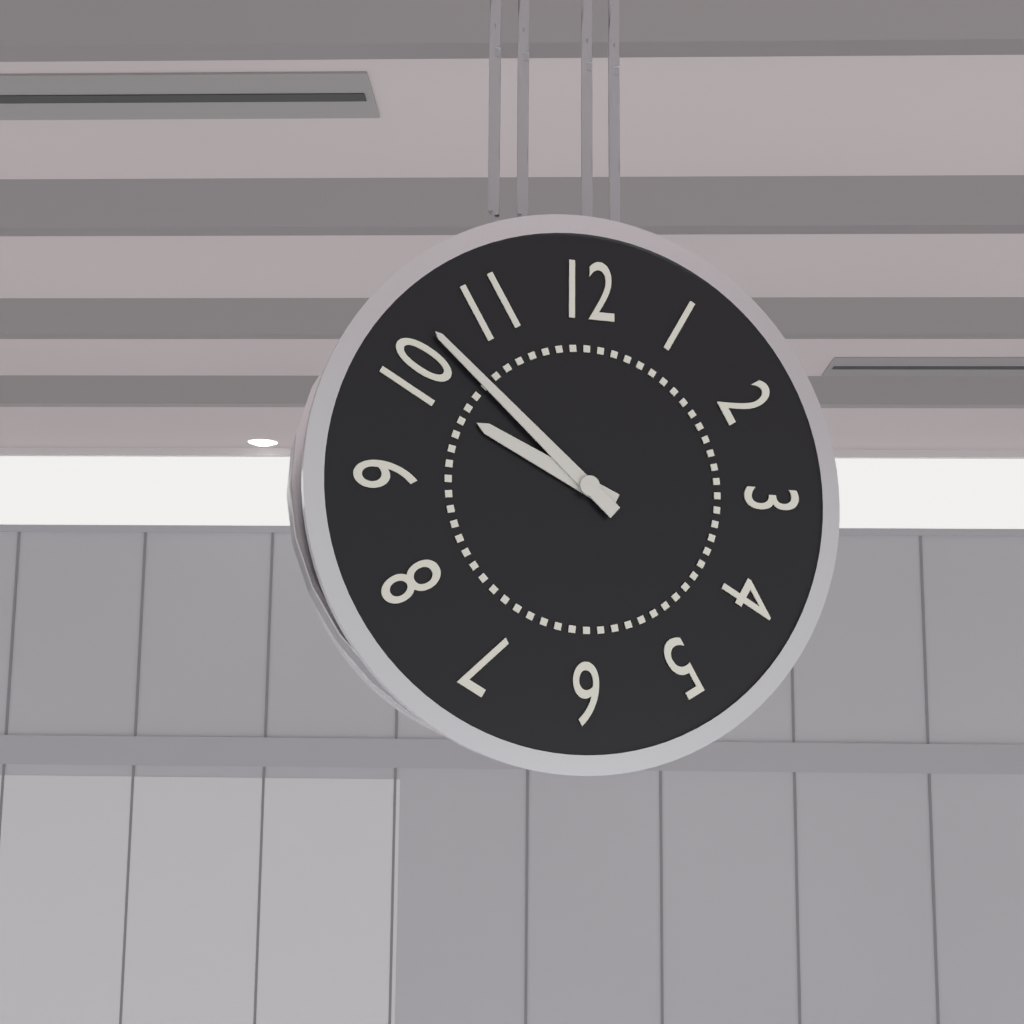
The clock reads {"hour": 9, "minute": 52}
